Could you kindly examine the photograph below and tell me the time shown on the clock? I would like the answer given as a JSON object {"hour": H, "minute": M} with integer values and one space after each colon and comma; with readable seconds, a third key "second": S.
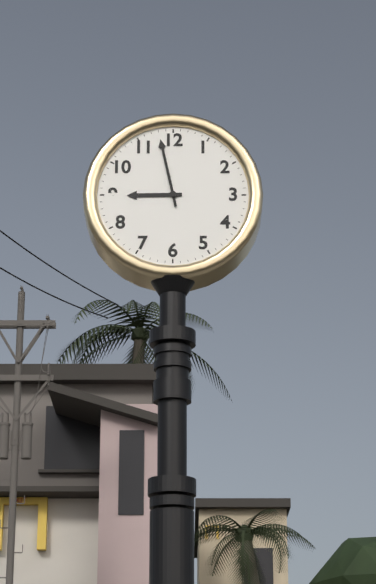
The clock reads {"hour": 8, "minute": 58}
